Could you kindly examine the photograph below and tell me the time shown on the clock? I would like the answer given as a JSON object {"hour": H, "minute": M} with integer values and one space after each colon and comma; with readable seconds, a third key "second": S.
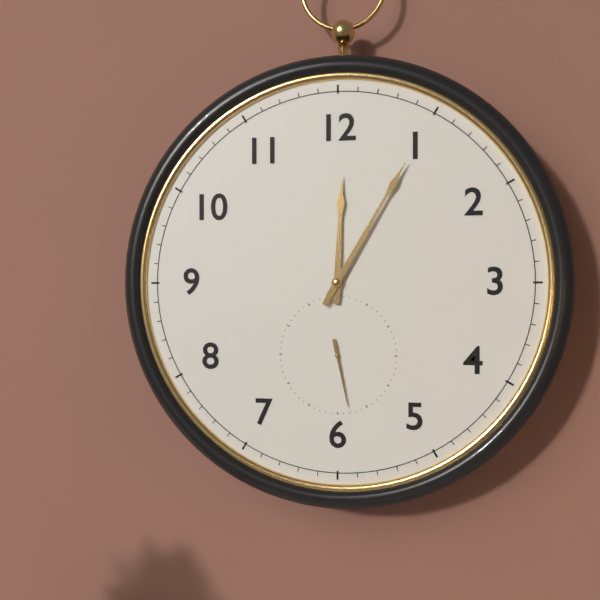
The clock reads {"hour": 12, "minute": 5, "second": 28}
